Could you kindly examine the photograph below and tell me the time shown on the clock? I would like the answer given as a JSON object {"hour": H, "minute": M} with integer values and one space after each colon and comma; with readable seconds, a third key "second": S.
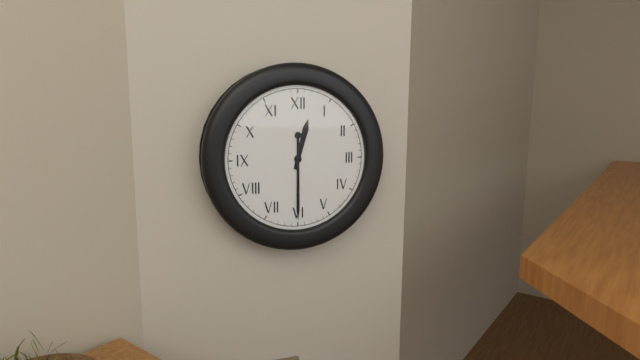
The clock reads {"hour": 12, "minute": 30}
